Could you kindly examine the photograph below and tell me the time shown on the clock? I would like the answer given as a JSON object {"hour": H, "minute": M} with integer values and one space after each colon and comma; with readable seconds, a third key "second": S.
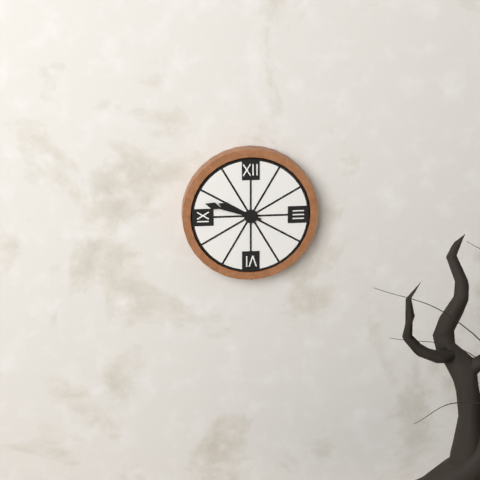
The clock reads {"hour": 9, "minute": 48}
